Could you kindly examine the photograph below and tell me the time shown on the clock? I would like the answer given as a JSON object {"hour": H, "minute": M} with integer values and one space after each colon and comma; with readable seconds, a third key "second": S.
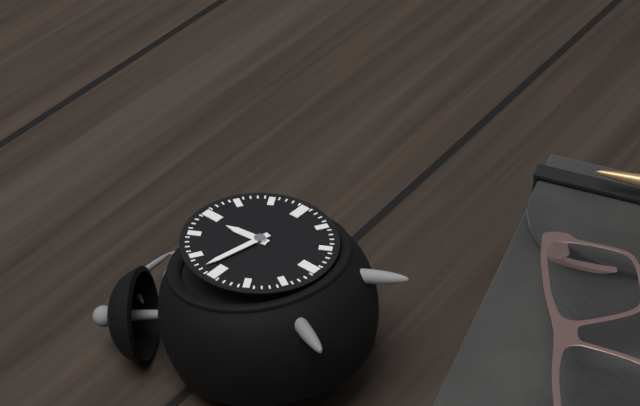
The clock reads {"hour": 11, "minute": 47}
